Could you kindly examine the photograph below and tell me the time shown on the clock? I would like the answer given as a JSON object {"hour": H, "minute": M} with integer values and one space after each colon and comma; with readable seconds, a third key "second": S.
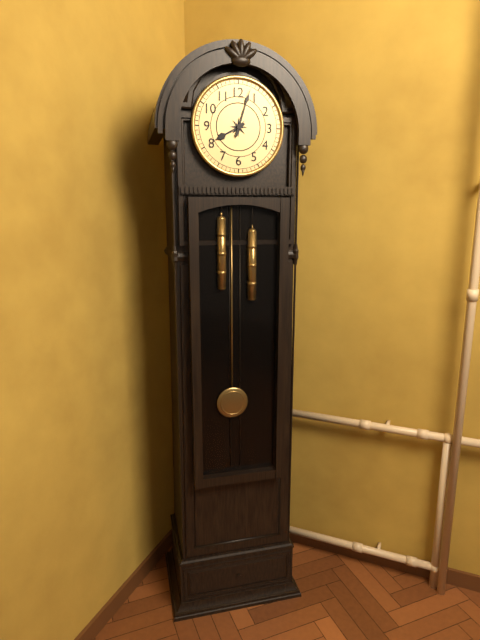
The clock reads {"hour": 8, "minute": 3}
